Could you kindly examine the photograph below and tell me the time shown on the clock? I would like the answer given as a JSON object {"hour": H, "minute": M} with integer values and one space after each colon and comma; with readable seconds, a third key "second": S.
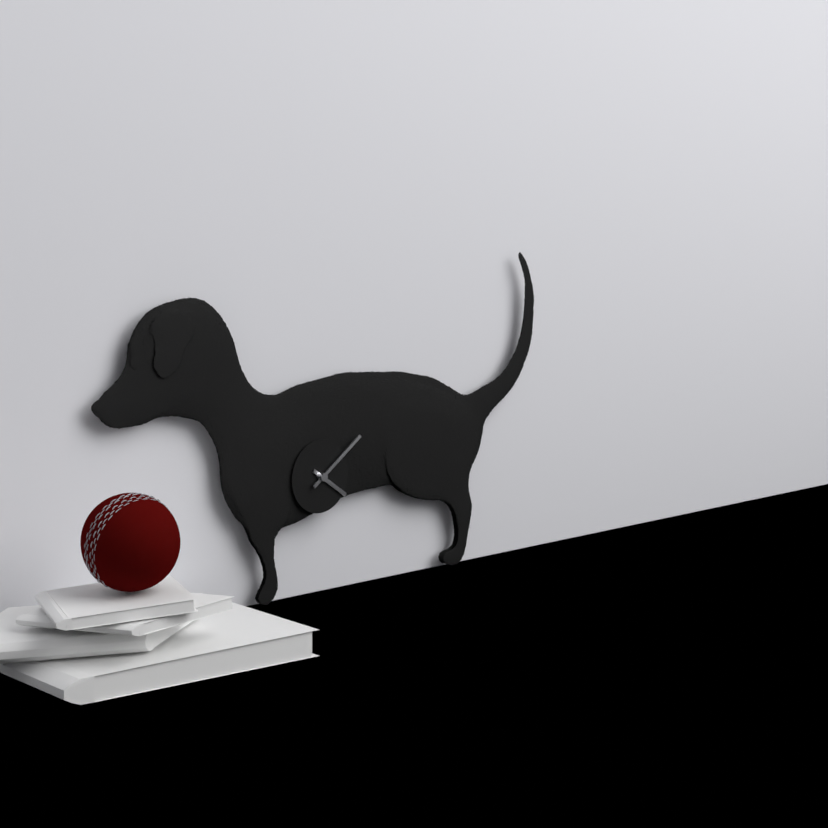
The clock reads {"hour": 4, "minute": 9}
